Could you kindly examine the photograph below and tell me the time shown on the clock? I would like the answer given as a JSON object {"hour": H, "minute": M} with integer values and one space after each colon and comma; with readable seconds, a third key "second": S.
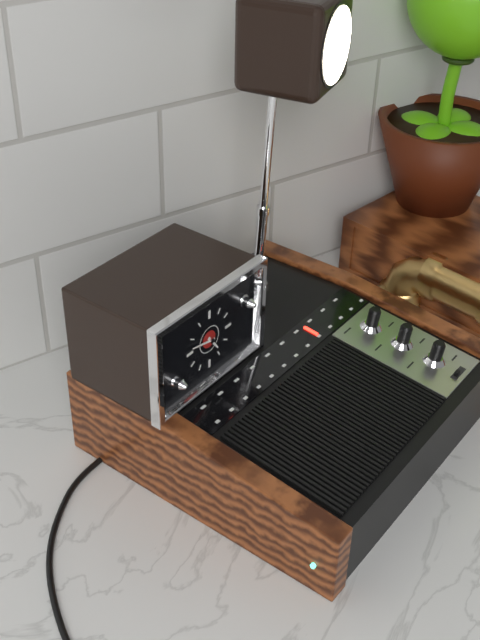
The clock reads {"hour": 4, "minute": 47}
